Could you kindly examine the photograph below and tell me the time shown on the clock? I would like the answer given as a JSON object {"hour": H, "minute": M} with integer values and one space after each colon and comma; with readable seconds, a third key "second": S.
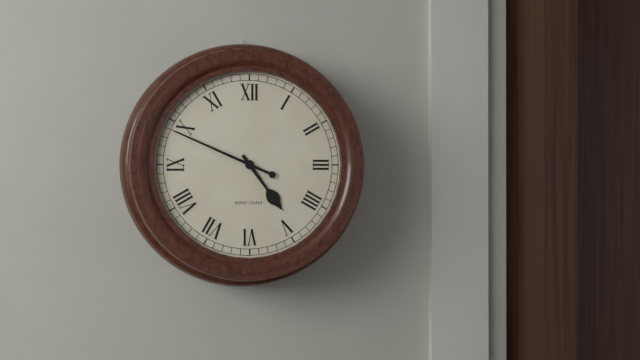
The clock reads {"hour": 4, "minute": 49}
